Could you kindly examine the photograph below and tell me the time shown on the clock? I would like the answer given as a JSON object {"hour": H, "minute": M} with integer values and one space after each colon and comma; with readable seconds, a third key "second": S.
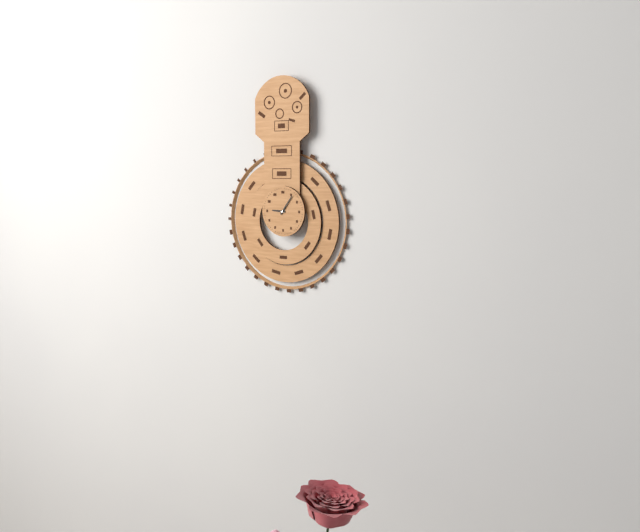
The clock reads {"hour": 9, "minute": 6}
